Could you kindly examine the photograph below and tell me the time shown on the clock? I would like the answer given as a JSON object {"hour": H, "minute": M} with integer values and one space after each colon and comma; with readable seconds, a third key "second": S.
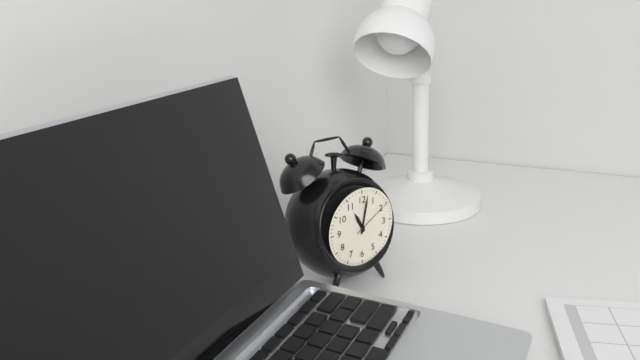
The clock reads {"hour": 11, "minute": 2}
